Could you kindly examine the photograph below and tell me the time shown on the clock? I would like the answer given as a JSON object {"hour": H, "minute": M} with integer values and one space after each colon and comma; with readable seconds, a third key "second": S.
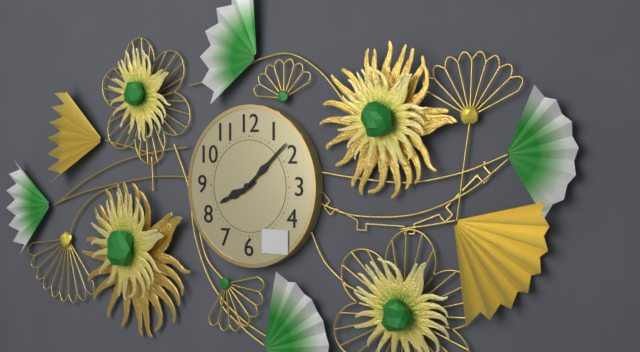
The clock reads {"hour": 8, "minute": 8}
